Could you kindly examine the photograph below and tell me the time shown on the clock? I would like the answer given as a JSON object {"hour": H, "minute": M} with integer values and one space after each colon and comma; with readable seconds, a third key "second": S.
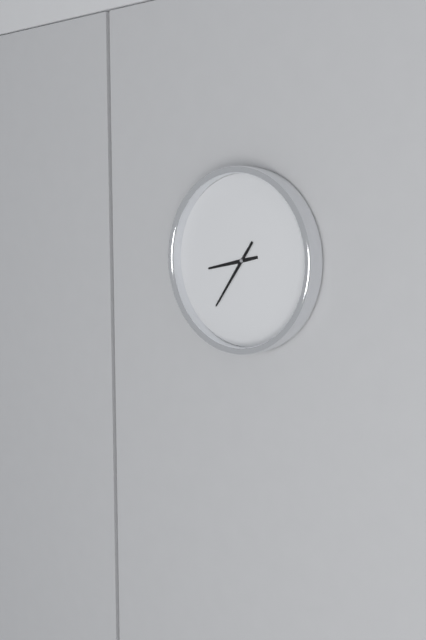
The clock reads {"hour": 8, "minute": 36}
